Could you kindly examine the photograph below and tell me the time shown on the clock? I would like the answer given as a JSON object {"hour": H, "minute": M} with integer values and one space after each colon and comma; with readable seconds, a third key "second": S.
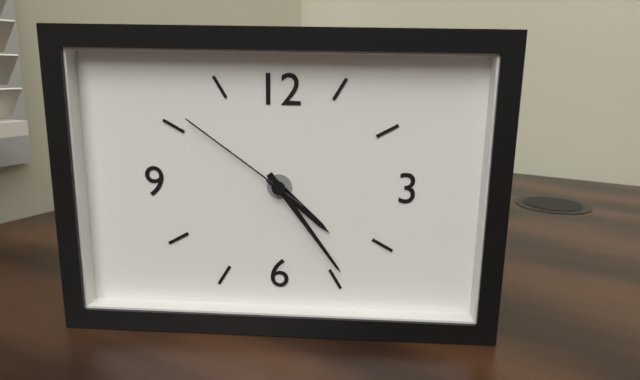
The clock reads {"hour": 4, "minute": 24, "second": 51}
